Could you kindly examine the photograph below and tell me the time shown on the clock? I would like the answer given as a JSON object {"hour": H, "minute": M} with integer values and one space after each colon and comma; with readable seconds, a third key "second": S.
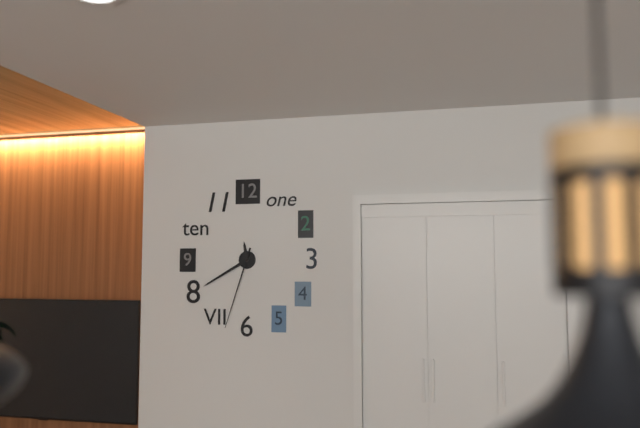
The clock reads {"hour": 11, "minute": 40, "second": 33}
